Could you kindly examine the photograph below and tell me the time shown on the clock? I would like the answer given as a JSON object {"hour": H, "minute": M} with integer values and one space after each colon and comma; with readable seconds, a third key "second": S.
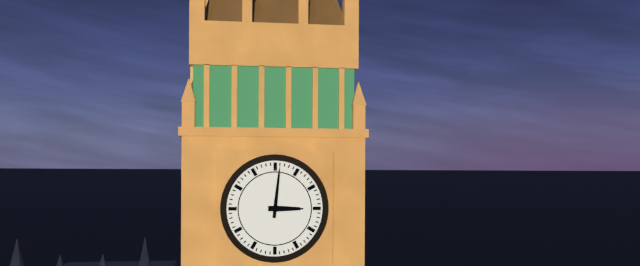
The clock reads {"hour": 3, "minute": 1}
